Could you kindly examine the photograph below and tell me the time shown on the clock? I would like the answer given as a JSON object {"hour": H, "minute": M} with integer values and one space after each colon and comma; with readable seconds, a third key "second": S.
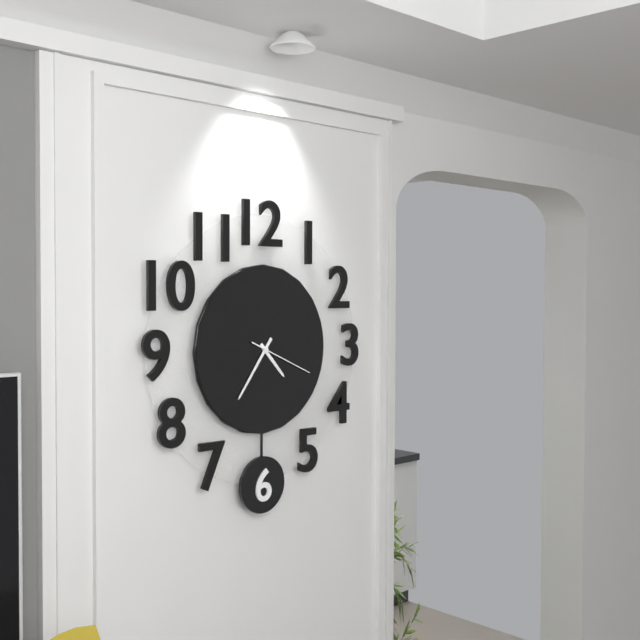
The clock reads {"hour": 4, "minute": 36, "second": 19}
